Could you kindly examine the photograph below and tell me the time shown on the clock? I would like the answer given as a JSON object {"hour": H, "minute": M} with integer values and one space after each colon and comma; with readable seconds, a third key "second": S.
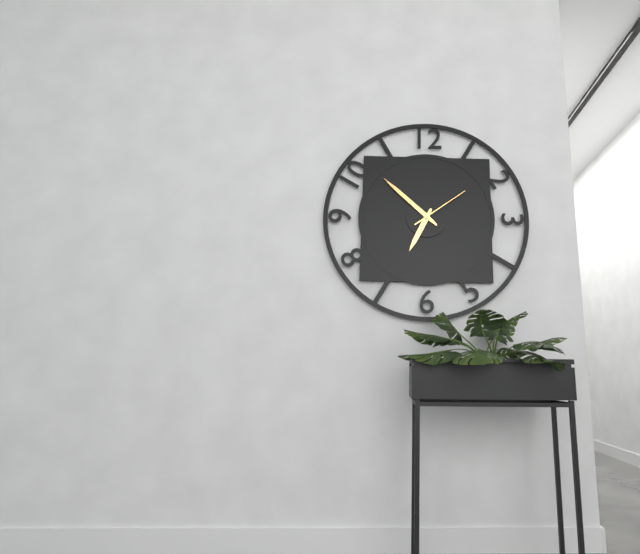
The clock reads {"hour": 6, "minute": 52, "second": 9}
